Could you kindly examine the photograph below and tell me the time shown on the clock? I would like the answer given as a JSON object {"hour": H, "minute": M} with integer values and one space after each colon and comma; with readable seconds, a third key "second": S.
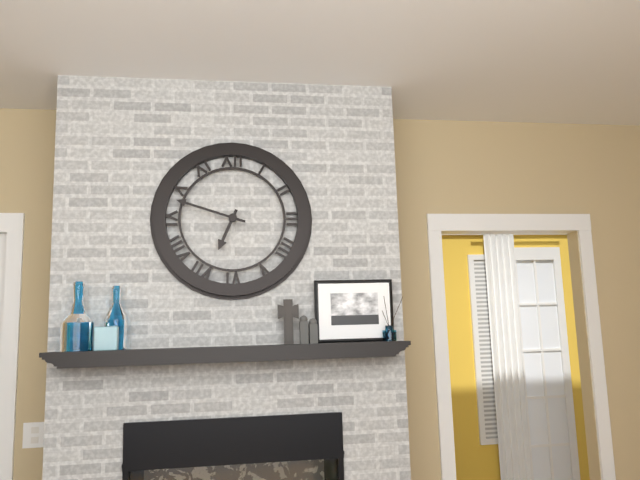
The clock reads {"hour": 6, "minute": 48}
